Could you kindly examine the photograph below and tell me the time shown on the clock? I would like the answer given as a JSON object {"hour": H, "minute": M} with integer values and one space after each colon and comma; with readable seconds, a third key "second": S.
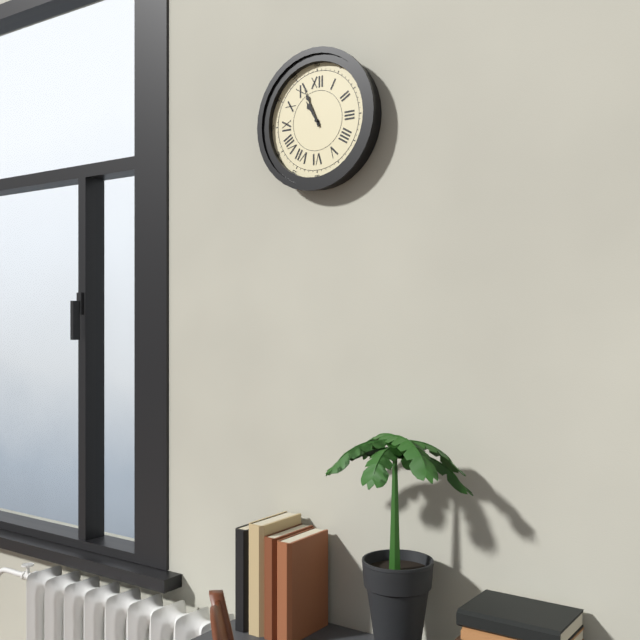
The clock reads {"hour": 10, "minute": 56}
